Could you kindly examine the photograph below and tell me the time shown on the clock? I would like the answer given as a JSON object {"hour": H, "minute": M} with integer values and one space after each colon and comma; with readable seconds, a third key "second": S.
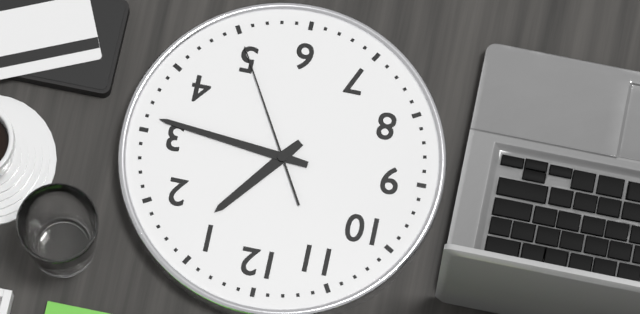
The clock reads {"hour": 1, "minute": 16, "second": 25}
